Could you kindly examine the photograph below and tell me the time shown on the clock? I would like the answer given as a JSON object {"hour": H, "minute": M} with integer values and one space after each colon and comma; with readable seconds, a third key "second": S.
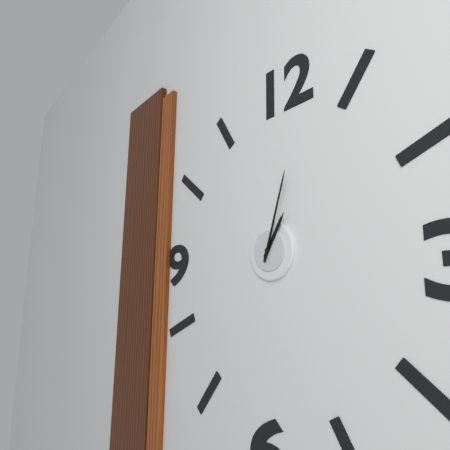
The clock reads {"hour": 1, "minute": 3}
